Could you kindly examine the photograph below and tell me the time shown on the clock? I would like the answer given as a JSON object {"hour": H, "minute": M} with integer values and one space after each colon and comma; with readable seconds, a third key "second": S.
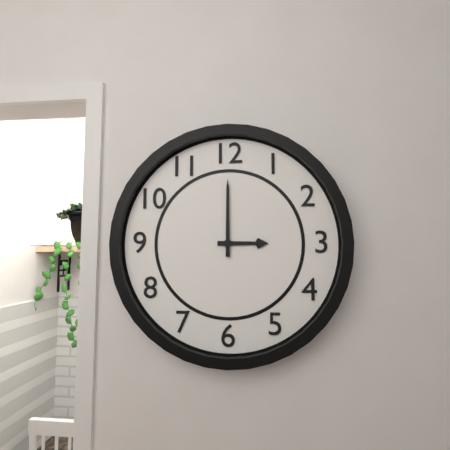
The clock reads {"hour": 3, "minute": 0}
